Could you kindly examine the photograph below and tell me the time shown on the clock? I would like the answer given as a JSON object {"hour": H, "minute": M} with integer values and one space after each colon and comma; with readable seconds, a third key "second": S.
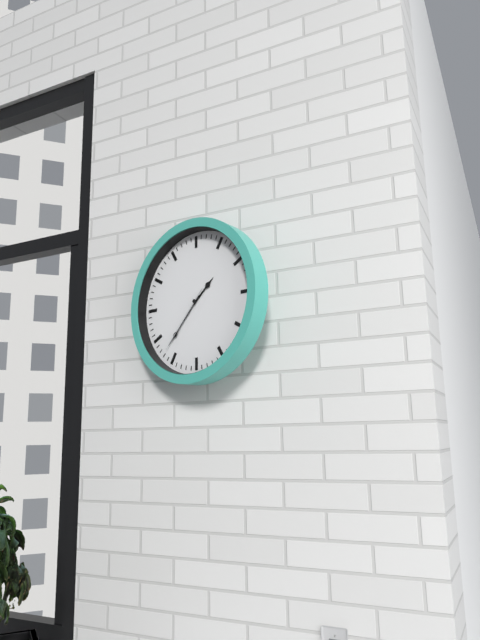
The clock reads {"hour": 1, "minute": 37, "second": 37}
